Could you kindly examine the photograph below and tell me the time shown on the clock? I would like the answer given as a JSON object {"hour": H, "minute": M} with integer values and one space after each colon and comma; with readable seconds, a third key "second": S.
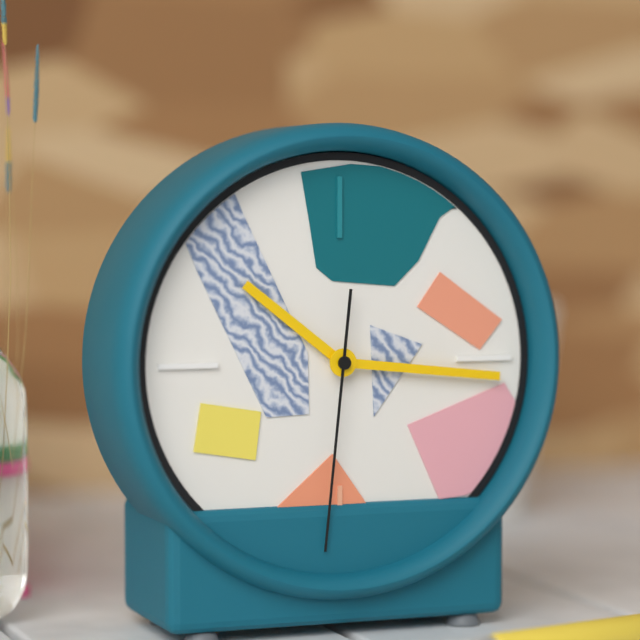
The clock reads {"hour": 10, "minute": 16, "second": 31}
